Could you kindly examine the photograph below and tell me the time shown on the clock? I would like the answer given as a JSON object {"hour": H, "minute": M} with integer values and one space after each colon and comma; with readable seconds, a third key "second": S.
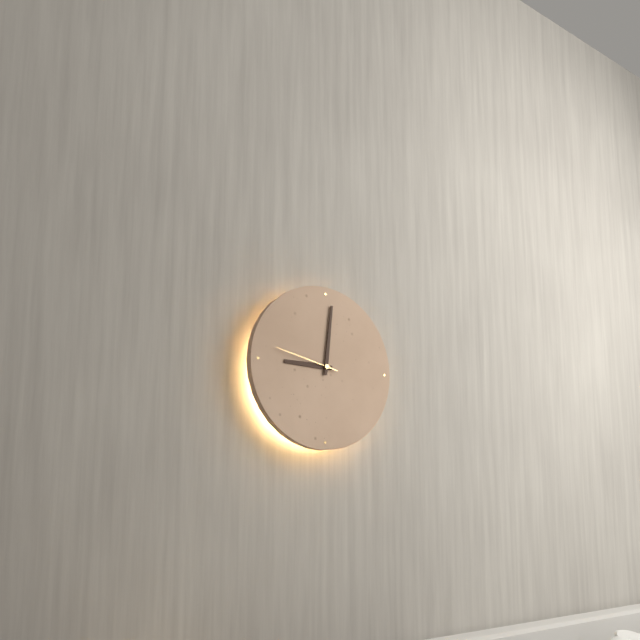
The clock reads {"hour": 9, "minute": 1, "second": 47}
